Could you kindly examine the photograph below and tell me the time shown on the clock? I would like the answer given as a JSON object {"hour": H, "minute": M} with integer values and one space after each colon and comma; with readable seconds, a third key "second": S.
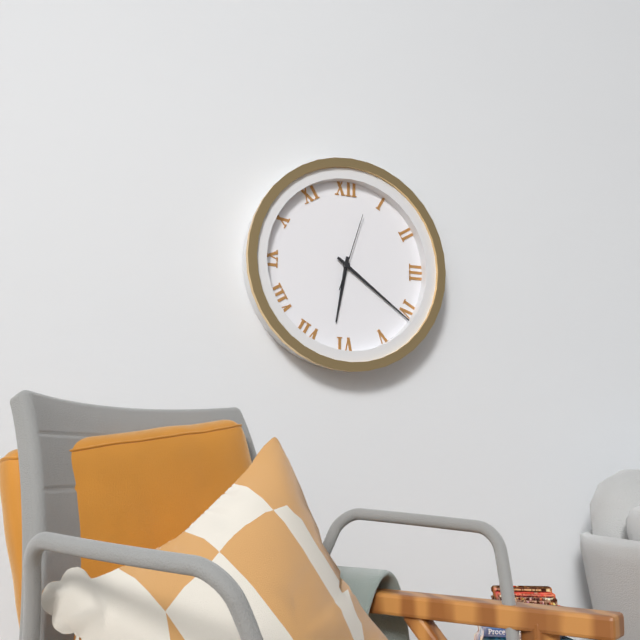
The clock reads {"hour": 6, "minute": 21, "second": 3}
